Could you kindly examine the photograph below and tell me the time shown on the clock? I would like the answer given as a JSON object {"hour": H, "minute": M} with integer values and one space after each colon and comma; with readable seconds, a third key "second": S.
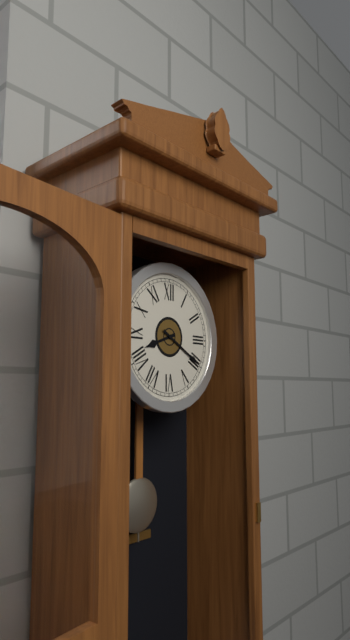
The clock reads {"hour": 8, "minute": 20}
